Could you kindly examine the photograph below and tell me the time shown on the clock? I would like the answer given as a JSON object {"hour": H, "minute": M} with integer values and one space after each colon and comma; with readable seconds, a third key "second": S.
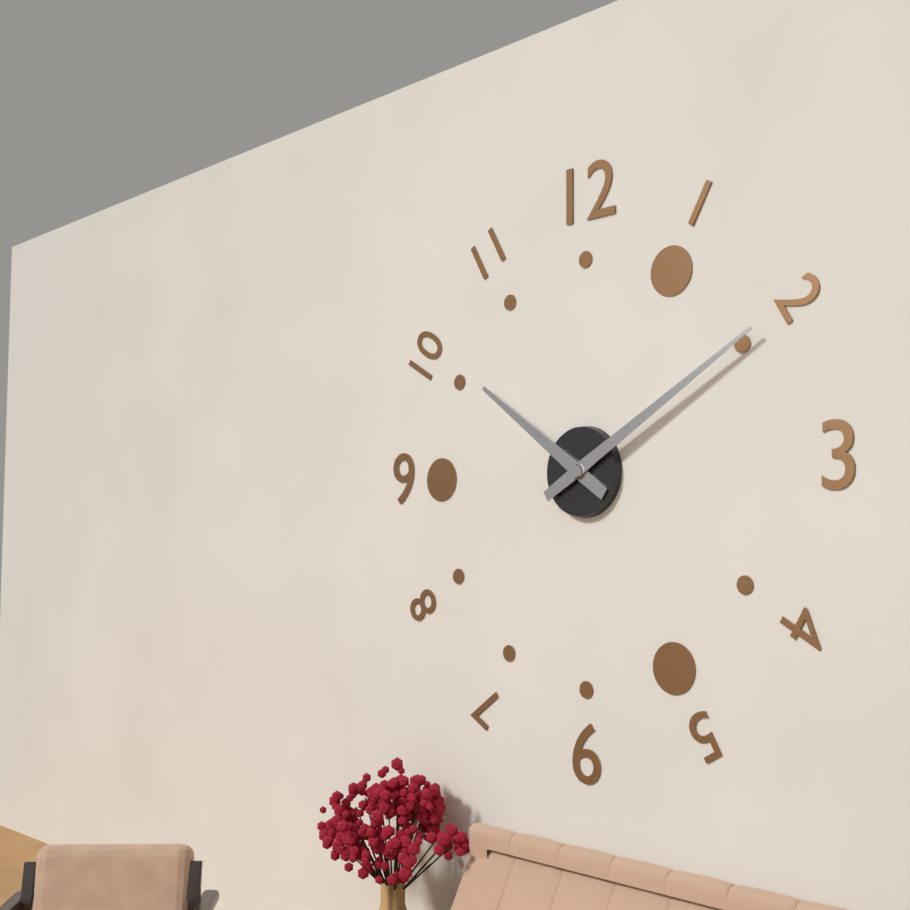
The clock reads {"hour": 10, "minute": 10}
